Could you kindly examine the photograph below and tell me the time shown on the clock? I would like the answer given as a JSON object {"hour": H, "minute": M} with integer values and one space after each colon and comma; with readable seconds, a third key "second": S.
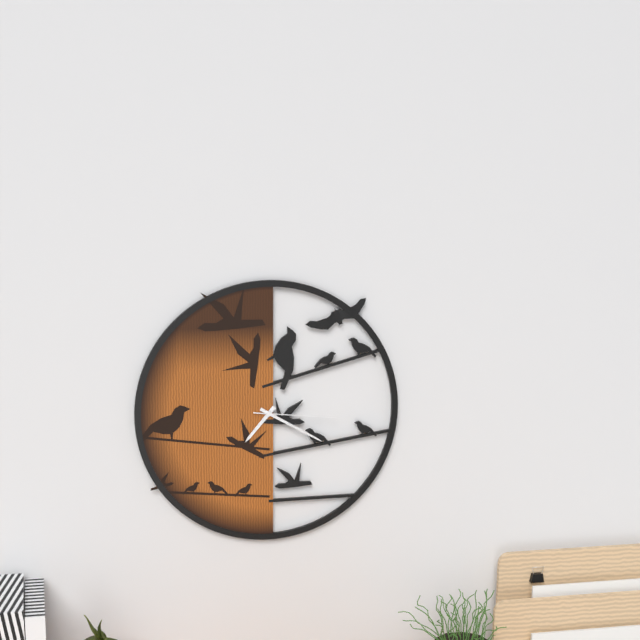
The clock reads {"hour": 7, "minute": 20, "second": 16}
